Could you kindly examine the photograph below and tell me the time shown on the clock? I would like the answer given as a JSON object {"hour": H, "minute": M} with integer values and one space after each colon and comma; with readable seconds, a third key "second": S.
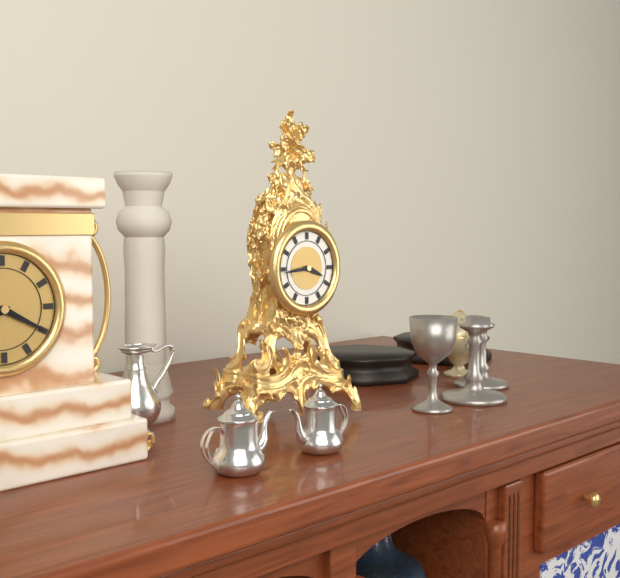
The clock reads {"hour": 3, "minute": 44}
